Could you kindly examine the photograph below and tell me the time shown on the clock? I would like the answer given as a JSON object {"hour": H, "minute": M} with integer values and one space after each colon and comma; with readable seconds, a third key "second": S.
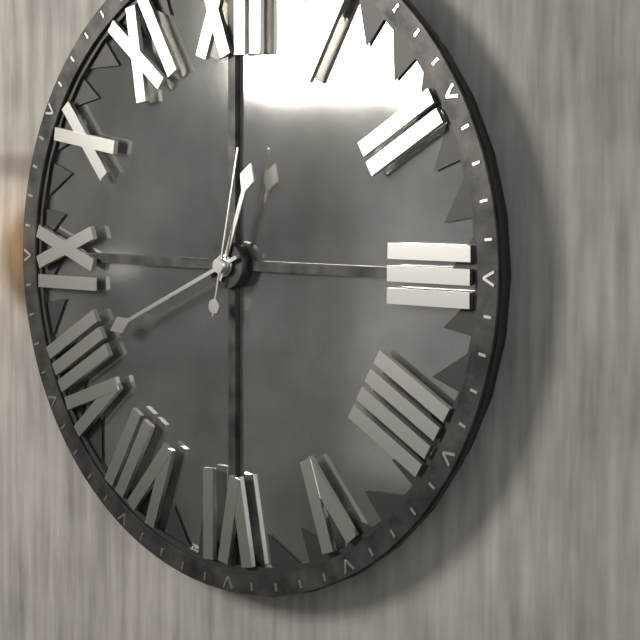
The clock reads {"hour": 12, "minute": 41, "second": 2}
